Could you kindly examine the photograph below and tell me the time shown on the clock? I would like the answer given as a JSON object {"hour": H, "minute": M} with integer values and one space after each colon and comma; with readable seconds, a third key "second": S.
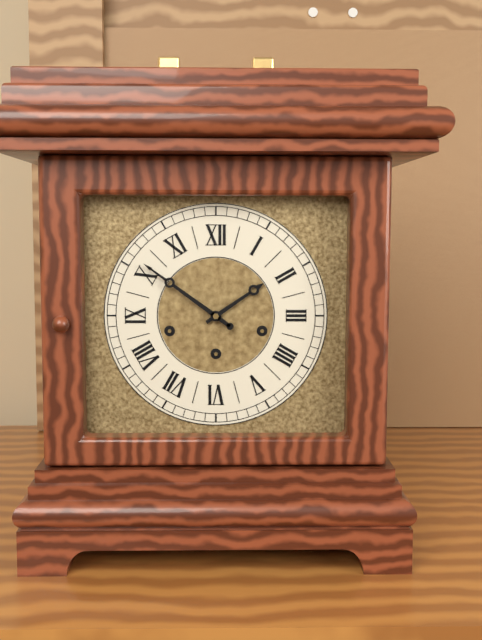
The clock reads {"hour": 1, "minute": 51}
